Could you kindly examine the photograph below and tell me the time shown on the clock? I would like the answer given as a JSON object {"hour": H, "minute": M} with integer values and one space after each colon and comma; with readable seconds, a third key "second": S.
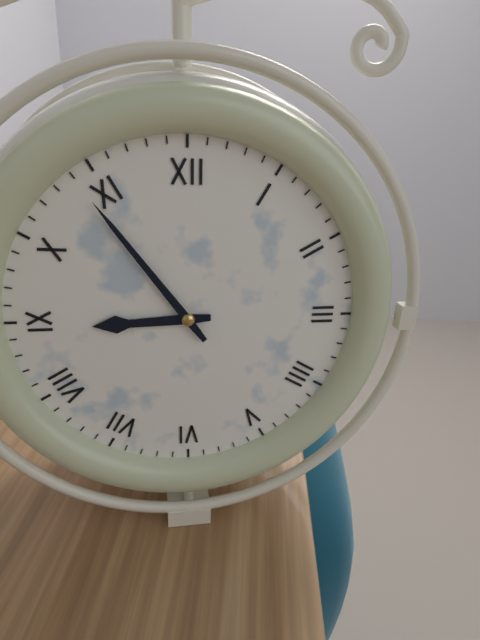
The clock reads {"hour": 8, "minute": 54}
